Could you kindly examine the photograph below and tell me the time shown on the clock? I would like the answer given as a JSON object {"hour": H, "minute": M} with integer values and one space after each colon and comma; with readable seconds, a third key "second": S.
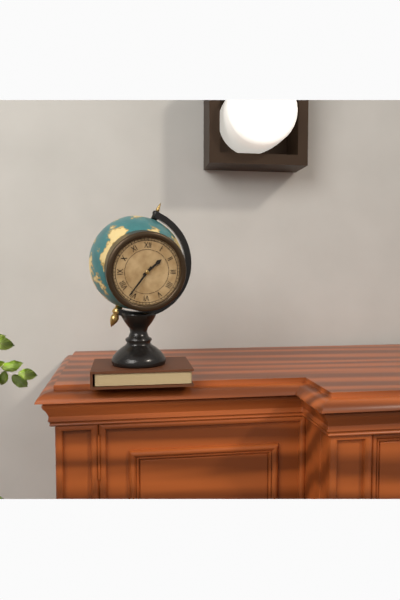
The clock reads {"hour": 1, "minute": 36}
